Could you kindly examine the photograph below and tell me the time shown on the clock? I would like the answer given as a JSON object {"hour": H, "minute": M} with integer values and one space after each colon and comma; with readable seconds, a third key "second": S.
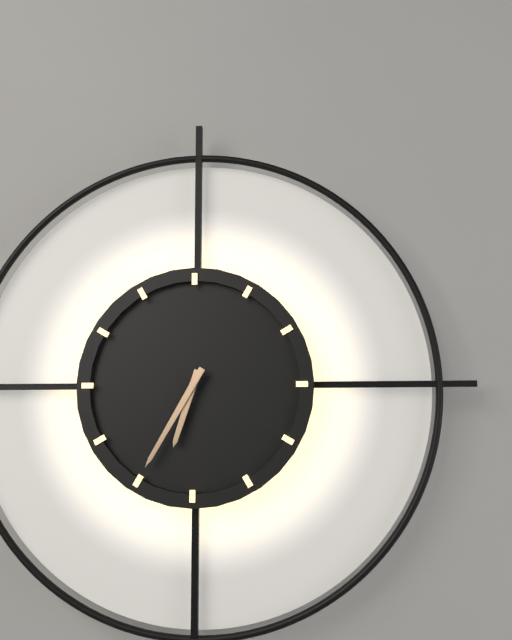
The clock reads {"hour": 6, "minute": 35}
